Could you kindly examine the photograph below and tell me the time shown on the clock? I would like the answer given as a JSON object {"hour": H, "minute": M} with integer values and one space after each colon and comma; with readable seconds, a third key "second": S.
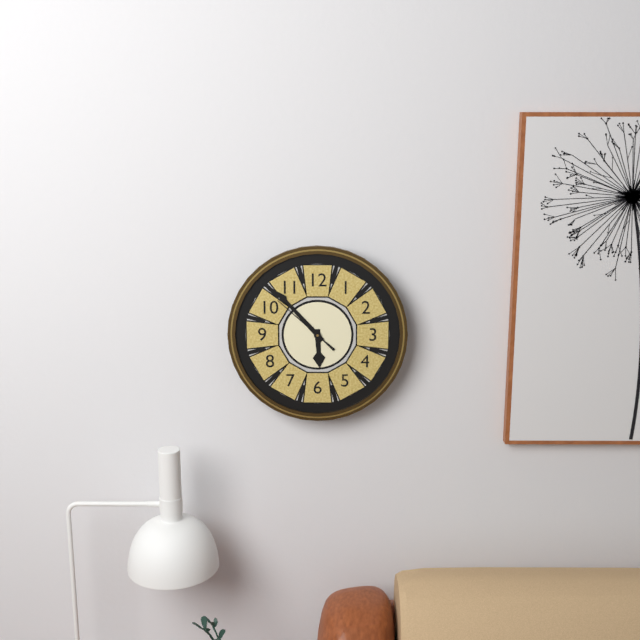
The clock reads {"hour": 5, "minute": 53, "second": 52}
